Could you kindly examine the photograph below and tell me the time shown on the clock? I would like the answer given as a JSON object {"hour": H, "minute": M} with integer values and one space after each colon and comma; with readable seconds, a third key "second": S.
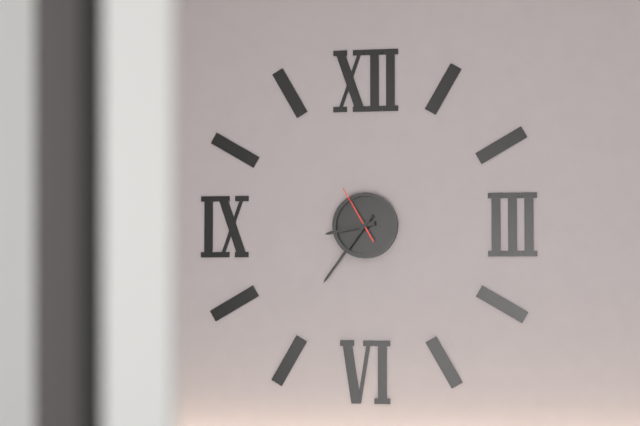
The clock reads {"hour": 8, "minute": 36, "second": 55}
